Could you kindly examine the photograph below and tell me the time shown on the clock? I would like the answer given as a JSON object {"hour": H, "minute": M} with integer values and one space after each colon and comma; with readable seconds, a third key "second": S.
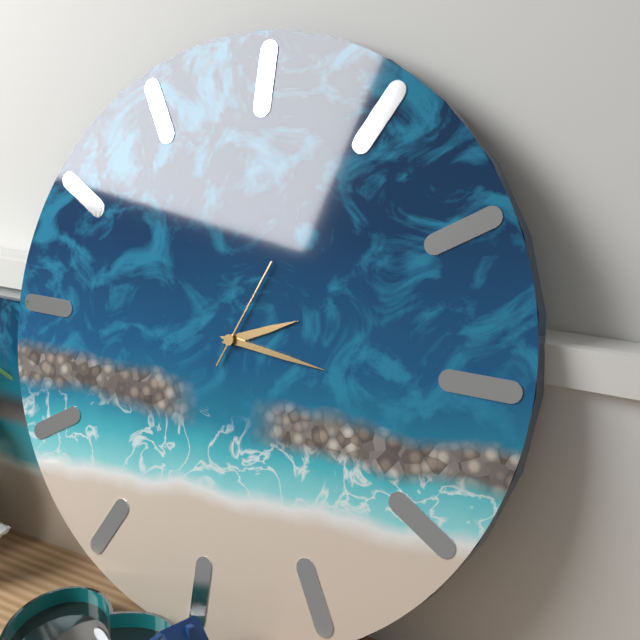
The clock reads {"hour": 2, "minute": 16, "second": 4}
